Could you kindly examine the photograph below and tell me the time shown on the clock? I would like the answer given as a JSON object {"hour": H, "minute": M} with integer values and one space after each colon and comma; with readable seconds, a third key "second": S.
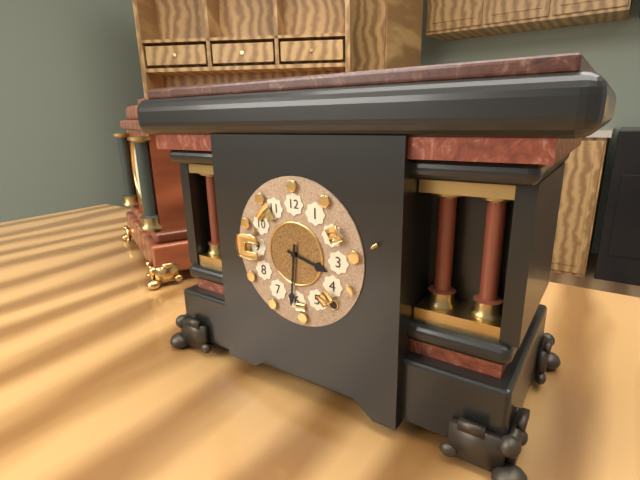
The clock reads {"hour": 3, "minute": 31}
